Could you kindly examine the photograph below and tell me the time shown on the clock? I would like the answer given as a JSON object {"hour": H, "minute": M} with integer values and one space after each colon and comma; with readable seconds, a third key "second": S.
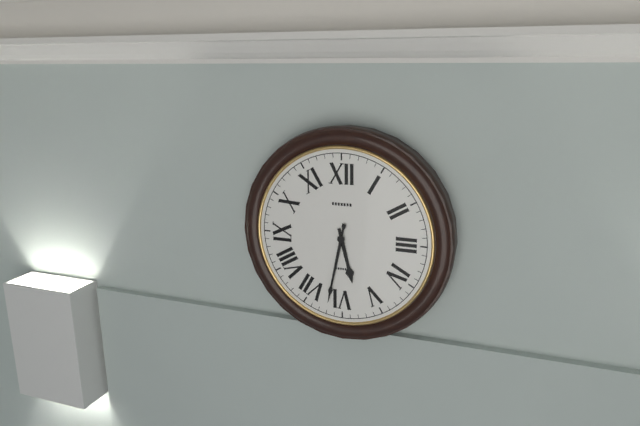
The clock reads {"hour": 5, "minute": 32}
